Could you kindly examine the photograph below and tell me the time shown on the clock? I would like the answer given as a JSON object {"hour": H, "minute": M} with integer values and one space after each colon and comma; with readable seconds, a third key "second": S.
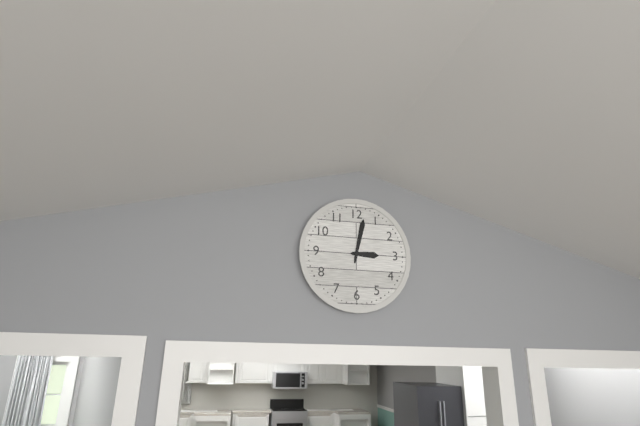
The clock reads {"hour": 3, "minute": 2}
